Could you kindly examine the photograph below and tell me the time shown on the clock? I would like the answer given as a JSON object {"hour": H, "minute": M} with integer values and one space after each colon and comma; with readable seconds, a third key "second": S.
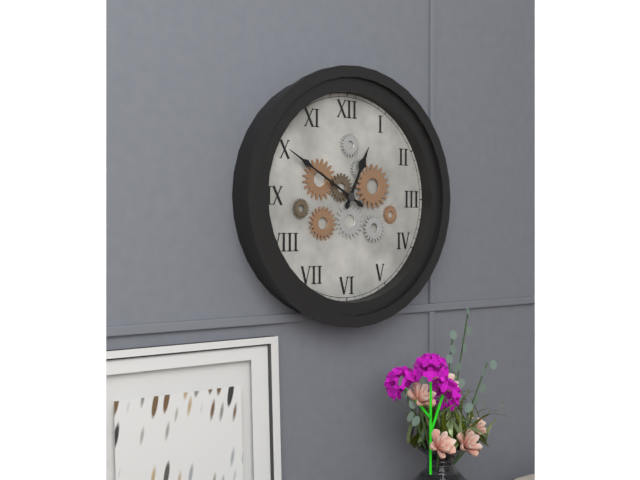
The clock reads {"hour": 12, "minute": 50}
